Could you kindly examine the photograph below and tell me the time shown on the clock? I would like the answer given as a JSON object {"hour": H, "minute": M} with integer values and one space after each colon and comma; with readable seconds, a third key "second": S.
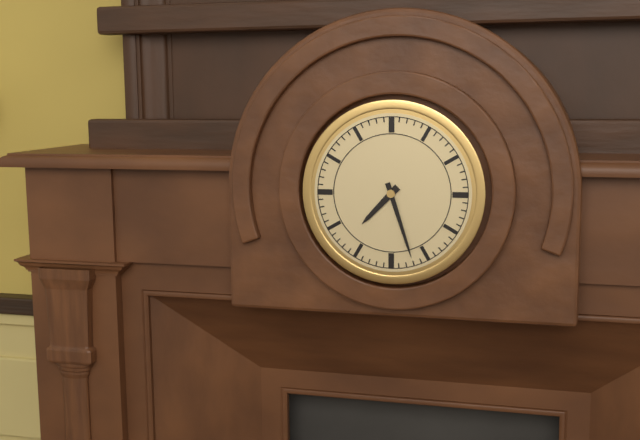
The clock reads {"hour": 7, "minute": 27}
